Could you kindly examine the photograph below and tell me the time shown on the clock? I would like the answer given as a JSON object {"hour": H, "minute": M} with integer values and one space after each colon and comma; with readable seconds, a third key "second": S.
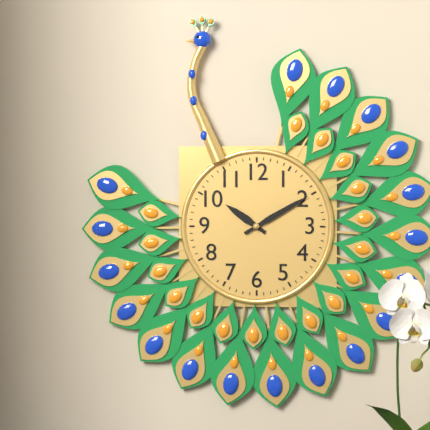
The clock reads {"hour": 10, "minute": 10}
